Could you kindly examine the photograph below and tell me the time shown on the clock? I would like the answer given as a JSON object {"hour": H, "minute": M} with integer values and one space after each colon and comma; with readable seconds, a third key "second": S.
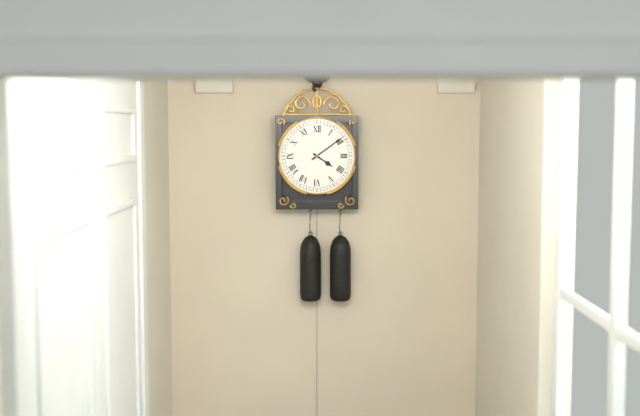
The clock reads {"hour": 4, "minute": 9}
